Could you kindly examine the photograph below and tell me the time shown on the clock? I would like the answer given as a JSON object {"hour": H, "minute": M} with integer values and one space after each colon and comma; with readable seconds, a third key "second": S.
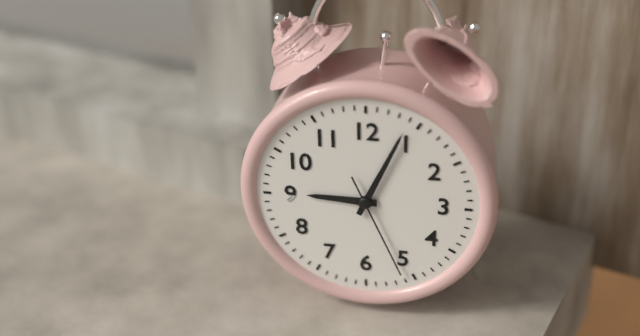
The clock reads {"hour": 9, "minute": 4, "second": 26}
